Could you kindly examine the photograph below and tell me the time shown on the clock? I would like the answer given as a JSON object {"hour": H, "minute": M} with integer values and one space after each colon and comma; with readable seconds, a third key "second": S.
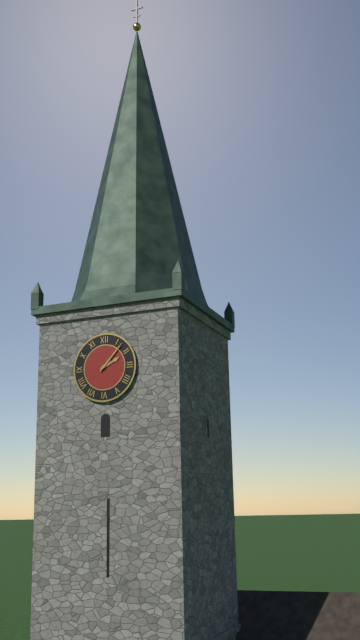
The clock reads {"hour": 2, "minute": 7}
